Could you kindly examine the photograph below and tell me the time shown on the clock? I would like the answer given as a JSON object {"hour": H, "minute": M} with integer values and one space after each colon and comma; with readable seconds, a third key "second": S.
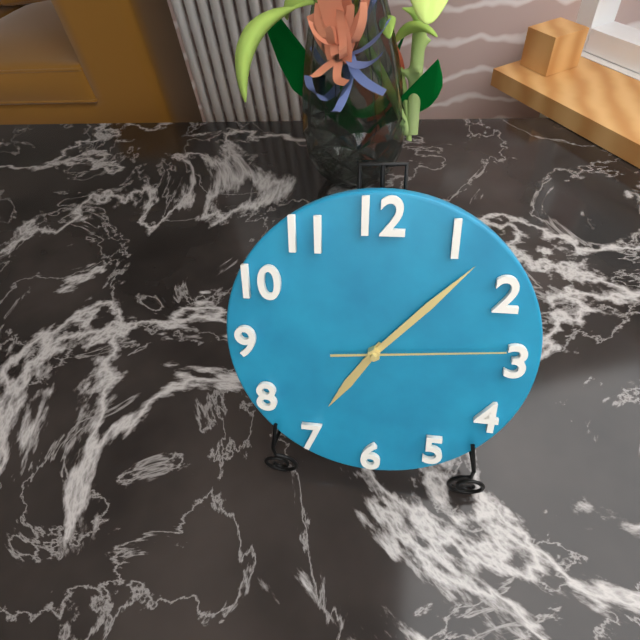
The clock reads {"hour": 7, "minute": 7, "second": 14}
